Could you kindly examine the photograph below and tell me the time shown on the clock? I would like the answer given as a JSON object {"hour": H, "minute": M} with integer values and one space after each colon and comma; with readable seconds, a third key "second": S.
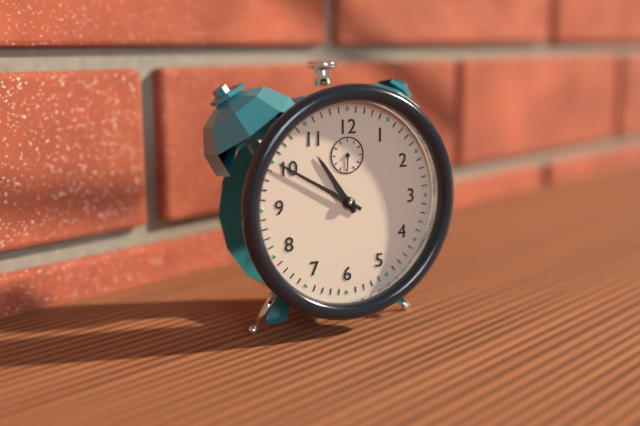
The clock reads {"hour": 10, "minute": 50}
